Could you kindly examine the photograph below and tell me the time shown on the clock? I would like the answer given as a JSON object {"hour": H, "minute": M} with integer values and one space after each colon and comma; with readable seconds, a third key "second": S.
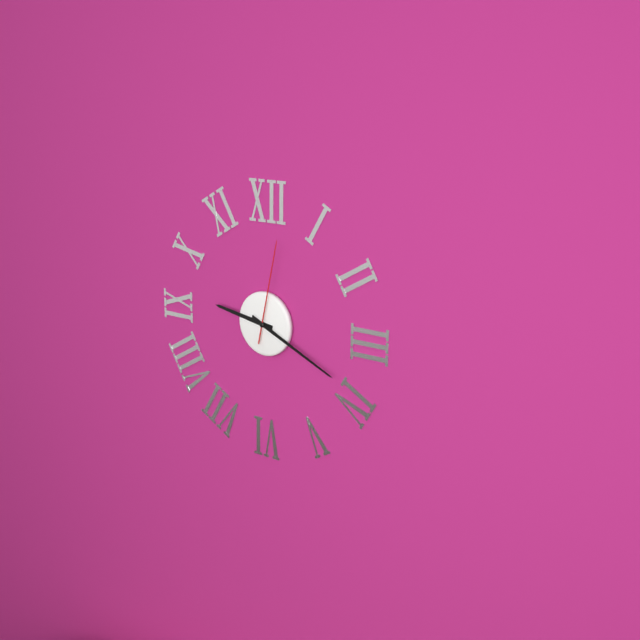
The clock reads {"hour": 9, "minute": 19, "second": 2}
